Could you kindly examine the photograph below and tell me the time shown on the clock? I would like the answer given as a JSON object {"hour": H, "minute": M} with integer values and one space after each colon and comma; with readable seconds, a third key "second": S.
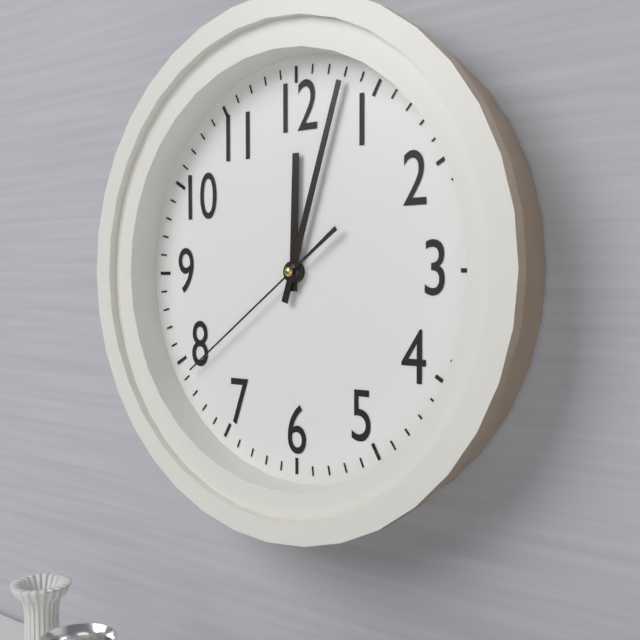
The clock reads {"hour": 12, "minute": 3, "second": 39}
